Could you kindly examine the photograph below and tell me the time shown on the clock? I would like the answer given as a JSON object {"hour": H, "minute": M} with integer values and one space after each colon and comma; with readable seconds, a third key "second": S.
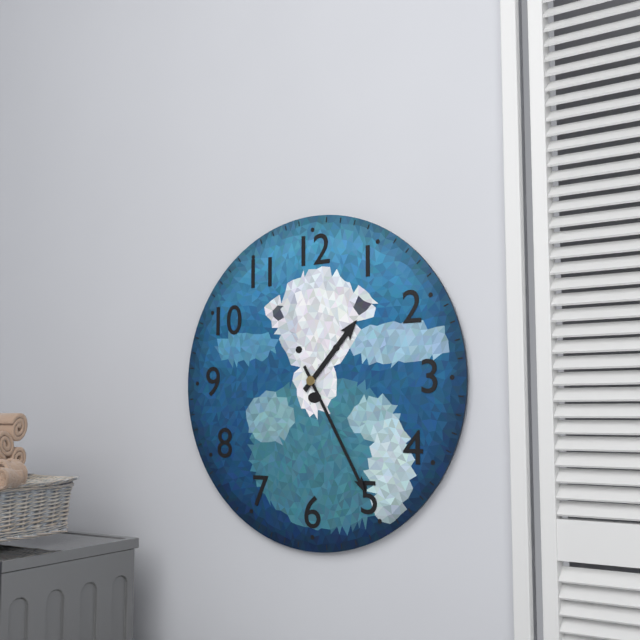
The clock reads {"hour": 1, "minute": 25}
